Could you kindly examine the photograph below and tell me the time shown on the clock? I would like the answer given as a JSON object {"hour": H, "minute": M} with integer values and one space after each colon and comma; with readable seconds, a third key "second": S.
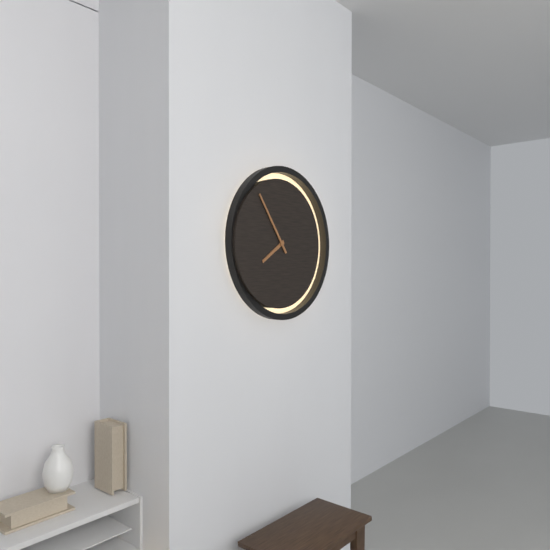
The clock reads {"hour": 7, "minute": 54}
